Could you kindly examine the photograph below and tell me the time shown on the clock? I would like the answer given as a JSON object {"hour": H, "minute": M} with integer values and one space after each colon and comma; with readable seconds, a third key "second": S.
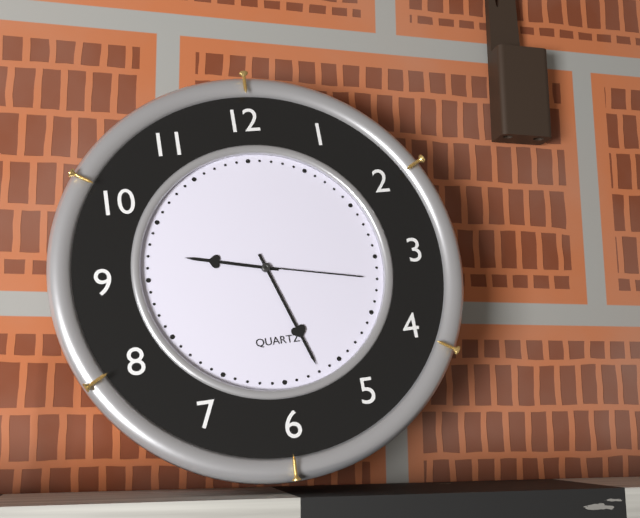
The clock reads {"hour": 9, "minute": 27, "second": 17}
